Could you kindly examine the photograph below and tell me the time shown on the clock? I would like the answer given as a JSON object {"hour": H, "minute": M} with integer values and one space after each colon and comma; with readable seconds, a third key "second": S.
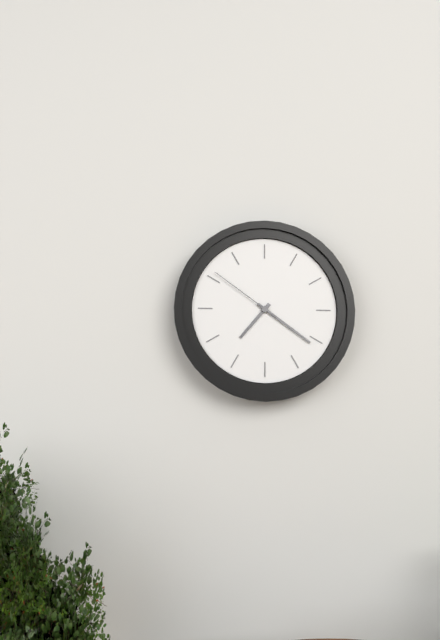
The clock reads {"hour": 7, "minute": 21, "second": 51}
